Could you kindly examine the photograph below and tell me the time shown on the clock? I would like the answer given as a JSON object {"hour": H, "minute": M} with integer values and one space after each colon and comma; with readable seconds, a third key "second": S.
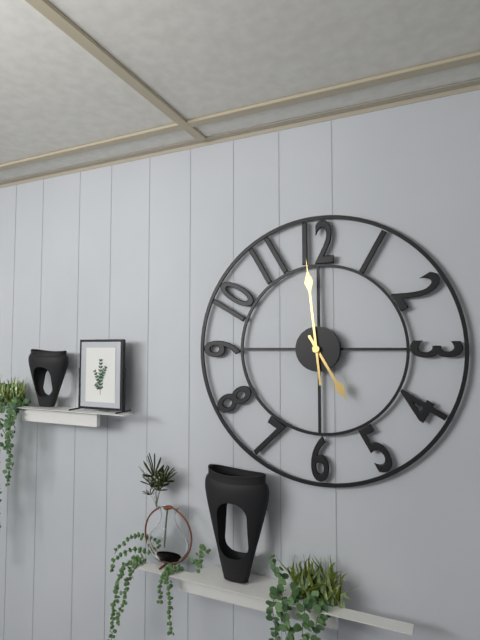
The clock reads {"hour": 4, "minute": 59}
